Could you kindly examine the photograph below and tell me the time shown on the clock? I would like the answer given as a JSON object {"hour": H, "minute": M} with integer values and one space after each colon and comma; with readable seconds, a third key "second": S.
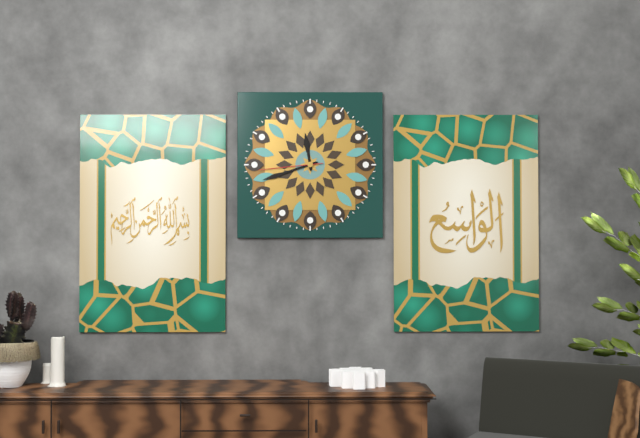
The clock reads {"hour": 11, "minute": 42, "second": 44}
